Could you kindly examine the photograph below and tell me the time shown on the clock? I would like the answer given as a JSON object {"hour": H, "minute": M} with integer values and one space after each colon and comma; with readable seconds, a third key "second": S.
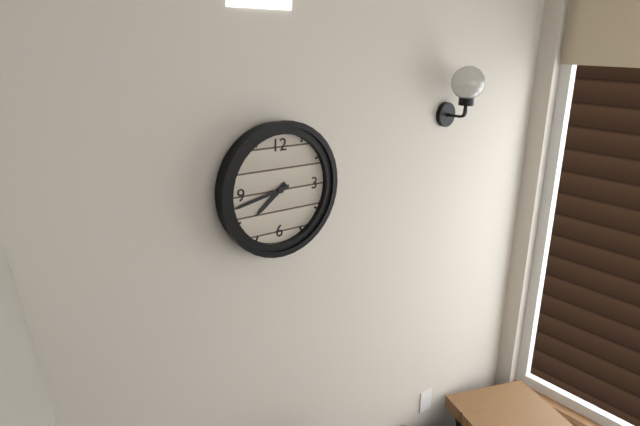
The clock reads {"hour": 7, "minute": 43}
